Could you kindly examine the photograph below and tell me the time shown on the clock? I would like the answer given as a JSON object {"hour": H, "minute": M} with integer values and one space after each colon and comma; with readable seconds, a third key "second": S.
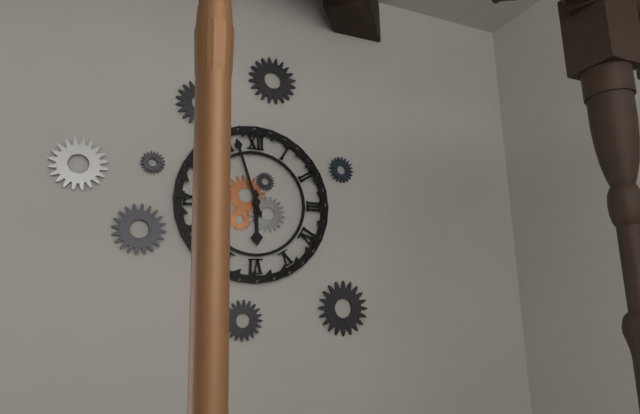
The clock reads {"hour": 5, "minute": 57}
